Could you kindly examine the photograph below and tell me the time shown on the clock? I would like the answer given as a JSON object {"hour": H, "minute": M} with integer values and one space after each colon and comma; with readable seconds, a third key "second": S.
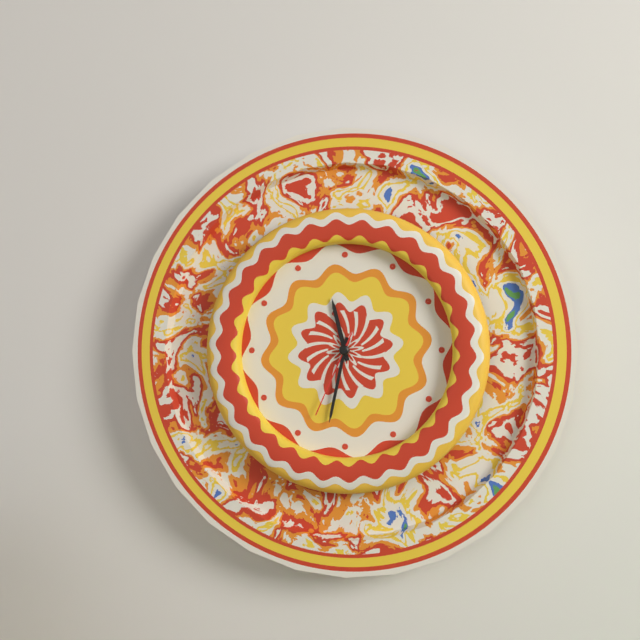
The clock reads {"hour": 11, "minute": 32, "second": 34}
